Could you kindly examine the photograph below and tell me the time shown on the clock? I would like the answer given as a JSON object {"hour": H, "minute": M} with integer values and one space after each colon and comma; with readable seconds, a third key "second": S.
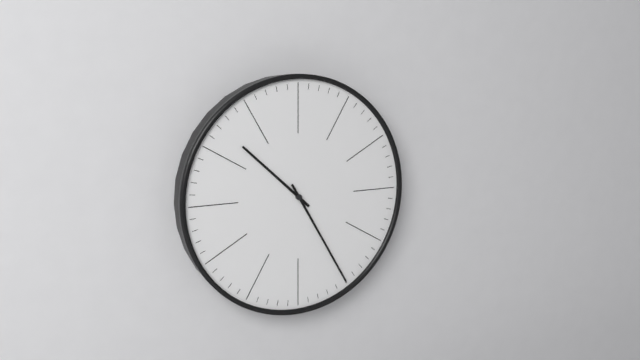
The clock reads {"hour": 10, "minute": 25}
